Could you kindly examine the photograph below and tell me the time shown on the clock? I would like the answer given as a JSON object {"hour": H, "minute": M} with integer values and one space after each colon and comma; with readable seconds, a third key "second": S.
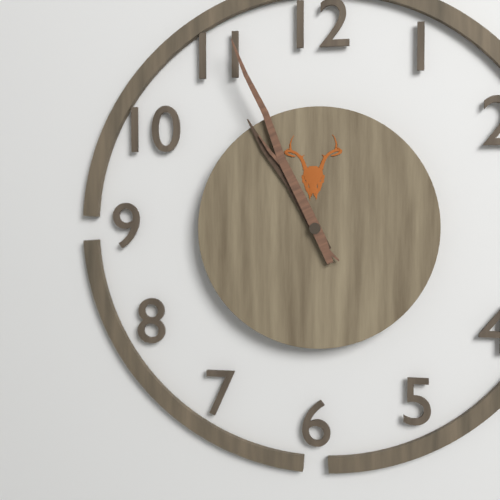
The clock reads {"hour": 10, "minute": 56}
